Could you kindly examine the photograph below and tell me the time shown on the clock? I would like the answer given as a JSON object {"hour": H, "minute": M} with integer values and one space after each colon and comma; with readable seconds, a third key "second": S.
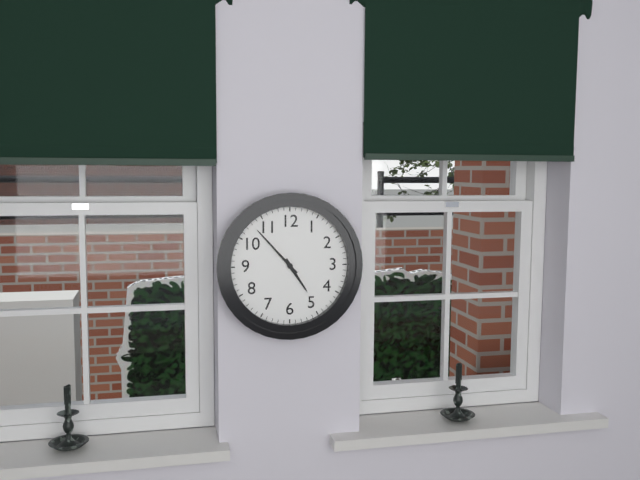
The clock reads {"hour": 4, "minute": 53}
